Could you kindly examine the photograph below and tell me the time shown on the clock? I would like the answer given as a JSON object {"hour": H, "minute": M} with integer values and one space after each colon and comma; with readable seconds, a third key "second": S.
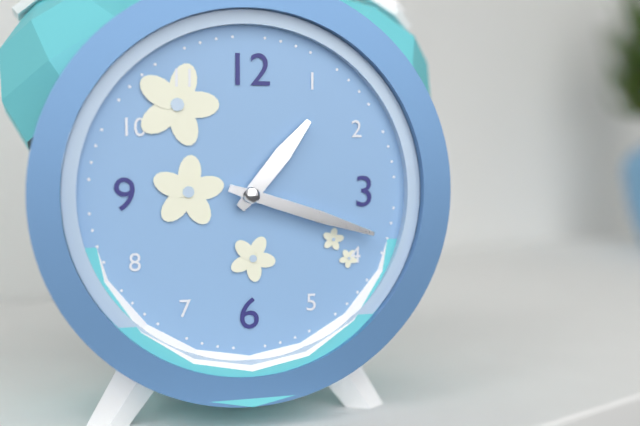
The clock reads {"hour": 1, "minute": 18}
